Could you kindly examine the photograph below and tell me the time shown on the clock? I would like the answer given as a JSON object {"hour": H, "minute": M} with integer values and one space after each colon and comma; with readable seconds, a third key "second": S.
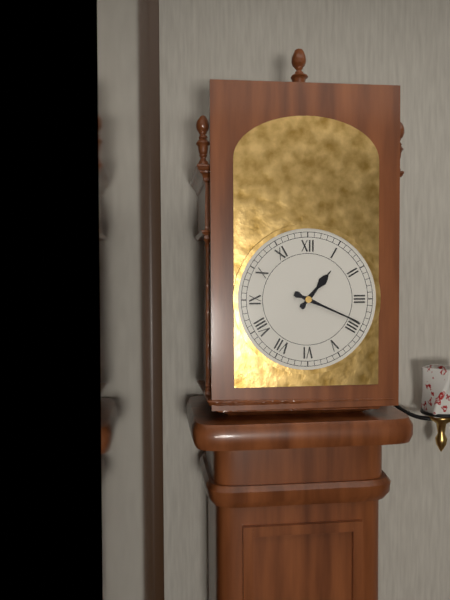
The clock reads {"hour": 1, "minute": 19}
